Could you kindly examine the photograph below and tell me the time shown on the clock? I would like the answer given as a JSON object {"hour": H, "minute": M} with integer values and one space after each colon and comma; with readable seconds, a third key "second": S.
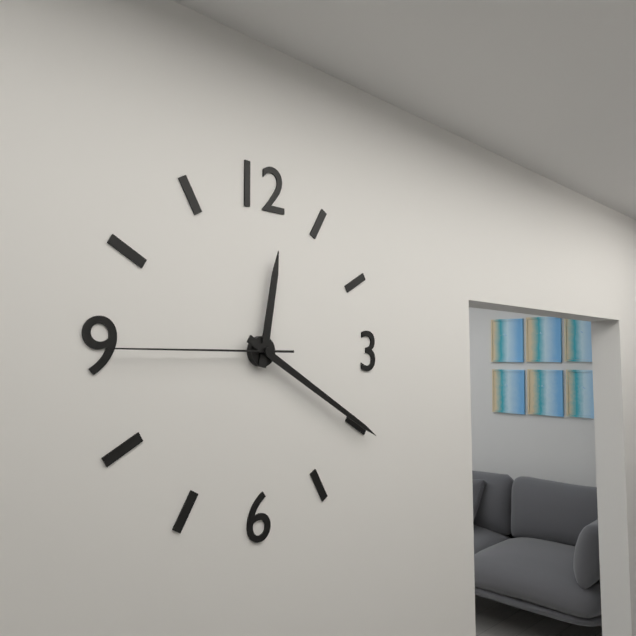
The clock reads {"hour": 12, "minute": 20, "second": 45}
